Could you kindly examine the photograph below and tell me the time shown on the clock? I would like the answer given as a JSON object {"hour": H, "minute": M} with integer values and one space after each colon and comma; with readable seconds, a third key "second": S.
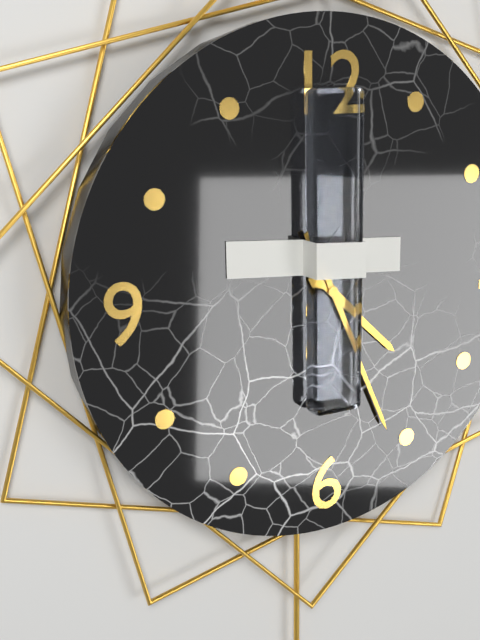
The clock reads {"hour": 4, "minute": 26}
